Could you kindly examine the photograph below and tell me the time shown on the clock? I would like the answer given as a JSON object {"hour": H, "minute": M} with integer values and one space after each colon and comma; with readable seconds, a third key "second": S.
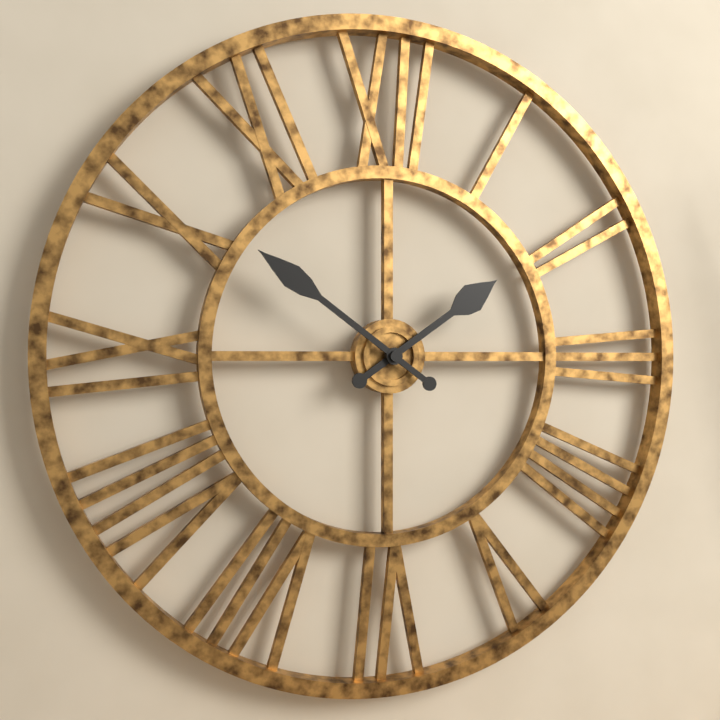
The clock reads {"hour": 1, "minute": 51}
